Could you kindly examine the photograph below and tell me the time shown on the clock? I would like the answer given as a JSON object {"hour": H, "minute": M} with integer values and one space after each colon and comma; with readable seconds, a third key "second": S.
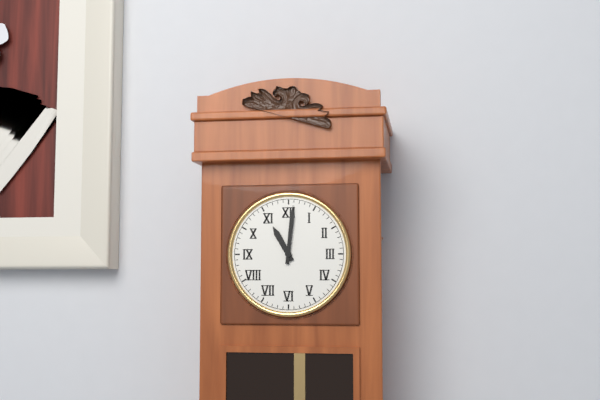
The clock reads {"hour": 11, "minute": 1}
